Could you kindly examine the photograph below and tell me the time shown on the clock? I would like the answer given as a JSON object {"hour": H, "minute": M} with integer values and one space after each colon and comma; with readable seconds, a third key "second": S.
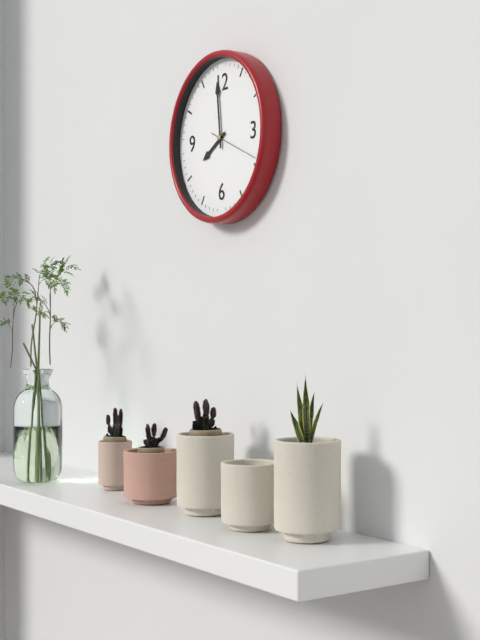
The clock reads {"hour": 7, "minute": 59, "second": 19}
